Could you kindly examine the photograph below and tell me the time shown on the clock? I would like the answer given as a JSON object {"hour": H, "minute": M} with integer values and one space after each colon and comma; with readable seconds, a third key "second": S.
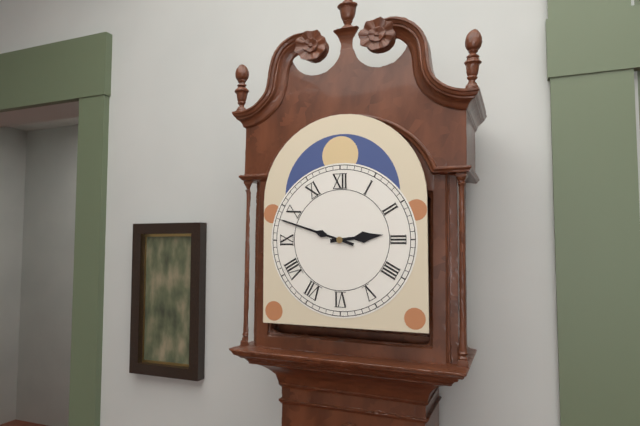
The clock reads {"hour": 2, "minute": 48}
